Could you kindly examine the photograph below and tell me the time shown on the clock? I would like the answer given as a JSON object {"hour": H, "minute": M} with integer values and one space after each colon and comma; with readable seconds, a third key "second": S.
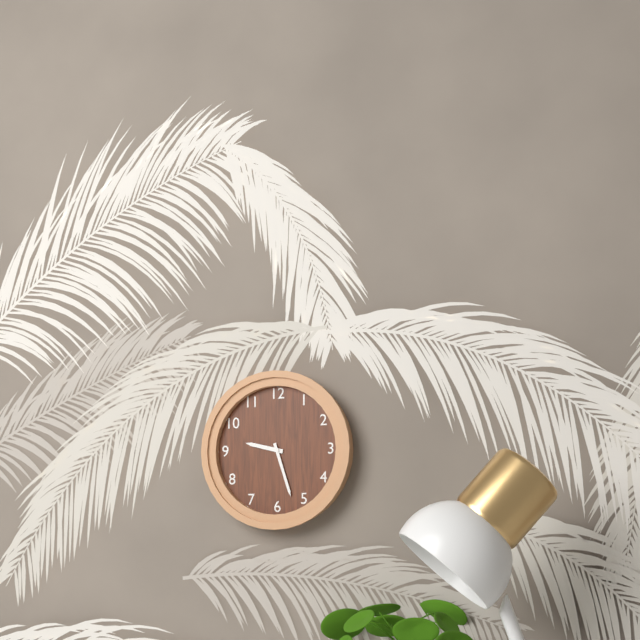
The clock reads {"hour": 9, "minute": 27}
